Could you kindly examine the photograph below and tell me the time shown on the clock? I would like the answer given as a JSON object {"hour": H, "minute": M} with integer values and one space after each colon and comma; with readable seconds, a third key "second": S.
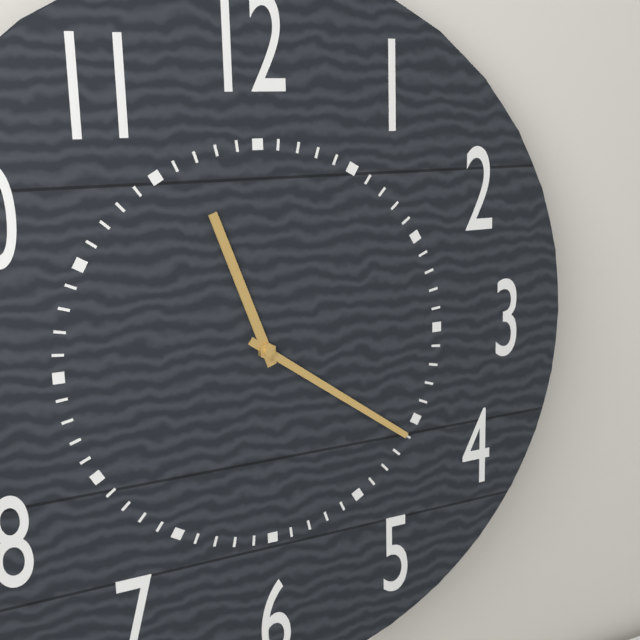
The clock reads {"hour": 11, "minute": 21}
